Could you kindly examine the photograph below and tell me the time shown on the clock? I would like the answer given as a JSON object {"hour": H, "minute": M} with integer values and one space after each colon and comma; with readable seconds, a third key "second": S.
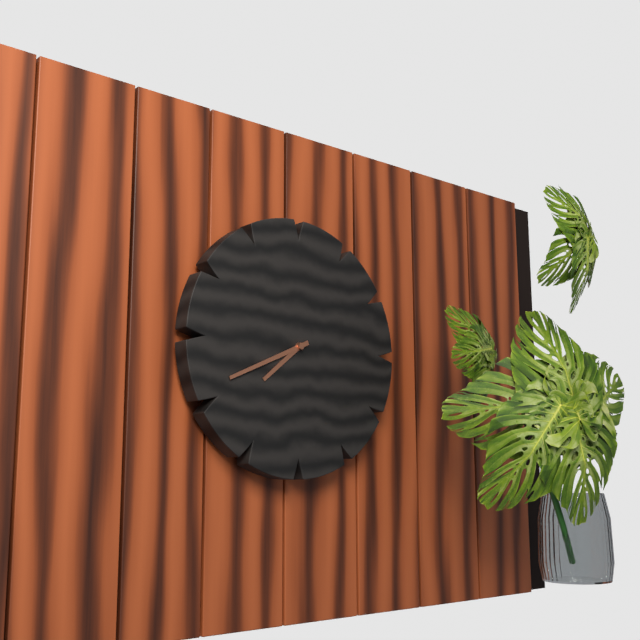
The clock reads {"hour": 7, "minute": 41}
